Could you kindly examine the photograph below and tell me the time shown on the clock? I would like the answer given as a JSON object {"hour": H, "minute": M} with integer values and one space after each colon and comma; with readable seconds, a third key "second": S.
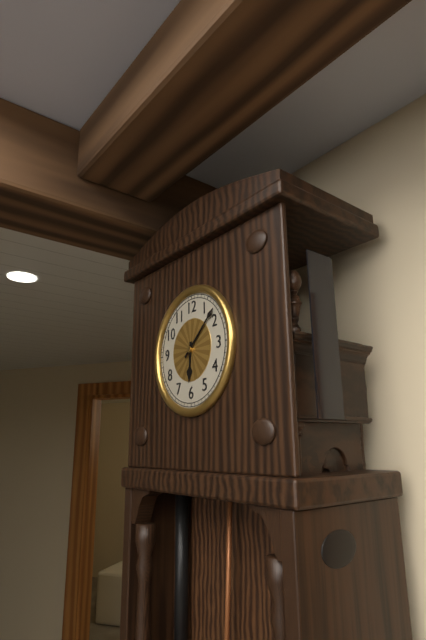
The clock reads {"hour": 6, "minute": 8}
